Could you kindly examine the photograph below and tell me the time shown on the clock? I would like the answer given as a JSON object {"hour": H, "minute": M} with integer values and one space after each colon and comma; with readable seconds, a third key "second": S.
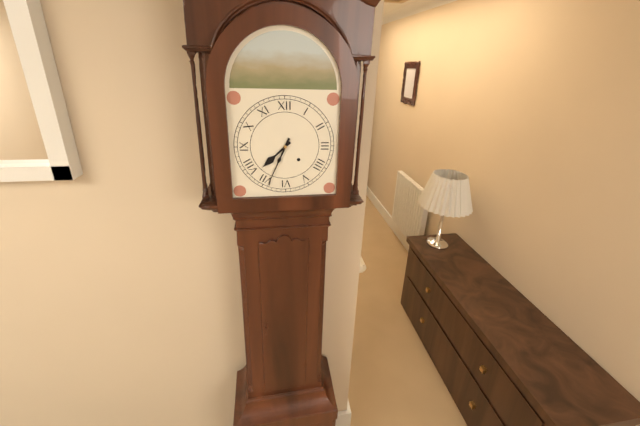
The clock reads {"hour": 7, "minute": 34}
